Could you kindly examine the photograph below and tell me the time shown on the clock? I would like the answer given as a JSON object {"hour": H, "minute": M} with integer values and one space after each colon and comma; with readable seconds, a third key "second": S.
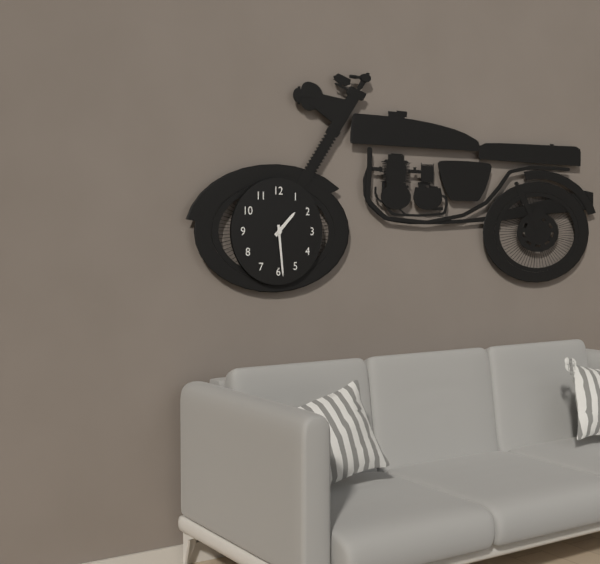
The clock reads {"hour": 1, "minute": 29}
